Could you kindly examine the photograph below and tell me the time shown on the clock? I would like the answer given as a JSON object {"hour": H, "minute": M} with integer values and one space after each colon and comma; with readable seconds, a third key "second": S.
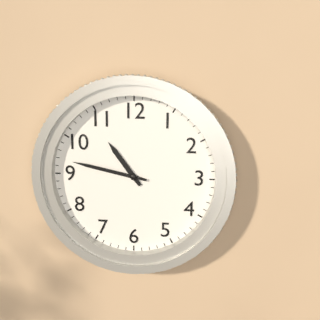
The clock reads {"hour": 10, "minute": 47}
